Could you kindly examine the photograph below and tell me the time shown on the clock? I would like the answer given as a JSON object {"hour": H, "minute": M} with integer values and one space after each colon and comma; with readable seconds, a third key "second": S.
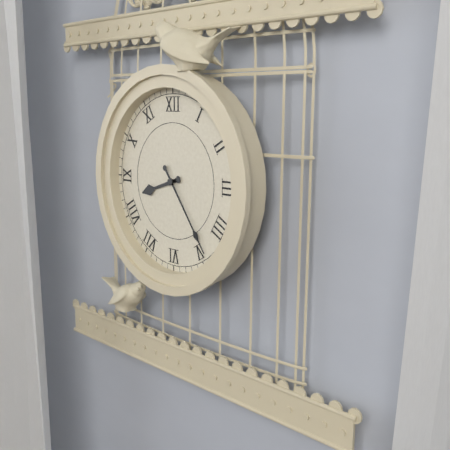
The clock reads {"hour": 8, "minute": 24}
